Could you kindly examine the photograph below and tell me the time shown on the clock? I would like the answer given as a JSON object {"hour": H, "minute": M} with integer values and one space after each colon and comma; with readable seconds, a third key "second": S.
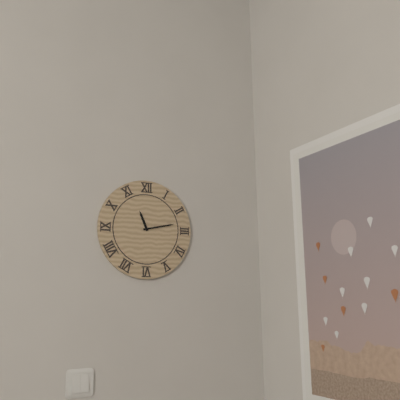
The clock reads {"hour": 11, "minute": 13}
